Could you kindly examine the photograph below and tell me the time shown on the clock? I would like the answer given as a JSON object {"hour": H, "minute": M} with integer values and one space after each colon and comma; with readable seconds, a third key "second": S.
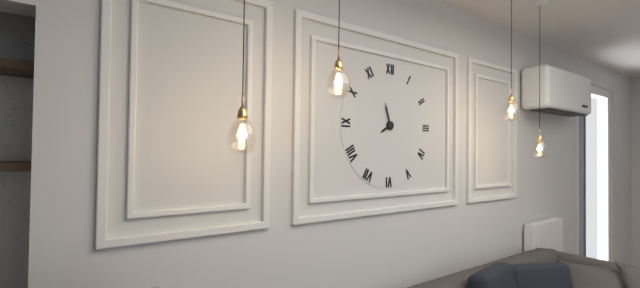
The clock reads {"hour": 7, "minute": 57}
